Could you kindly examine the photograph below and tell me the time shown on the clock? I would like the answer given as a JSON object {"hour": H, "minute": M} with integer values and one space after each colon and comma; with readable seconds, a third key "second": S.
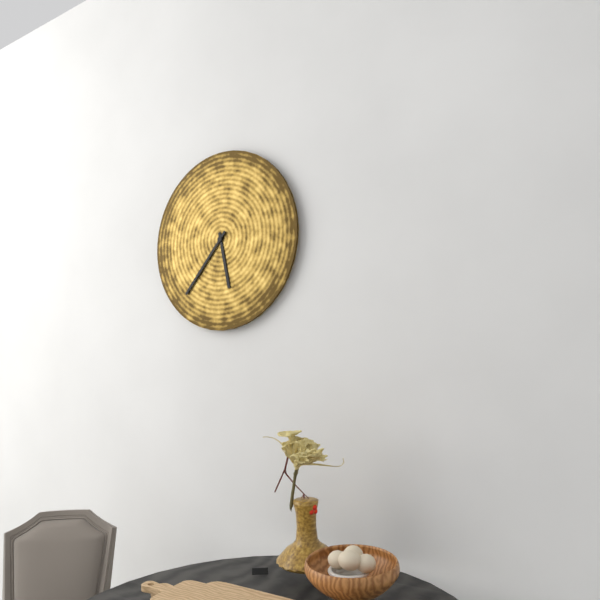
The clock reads {"hour": 5, "minute": 37}
